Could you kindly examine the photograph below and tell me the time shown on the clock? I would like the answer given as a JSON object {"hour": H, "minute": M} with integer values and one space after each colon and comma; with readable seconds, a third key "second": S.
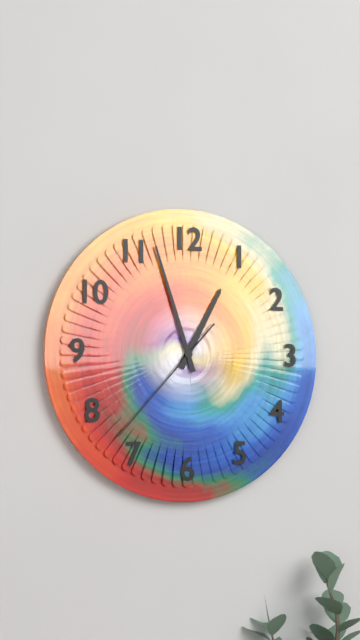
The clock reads {"hour": 12, "minute": 57, "second": 37}
